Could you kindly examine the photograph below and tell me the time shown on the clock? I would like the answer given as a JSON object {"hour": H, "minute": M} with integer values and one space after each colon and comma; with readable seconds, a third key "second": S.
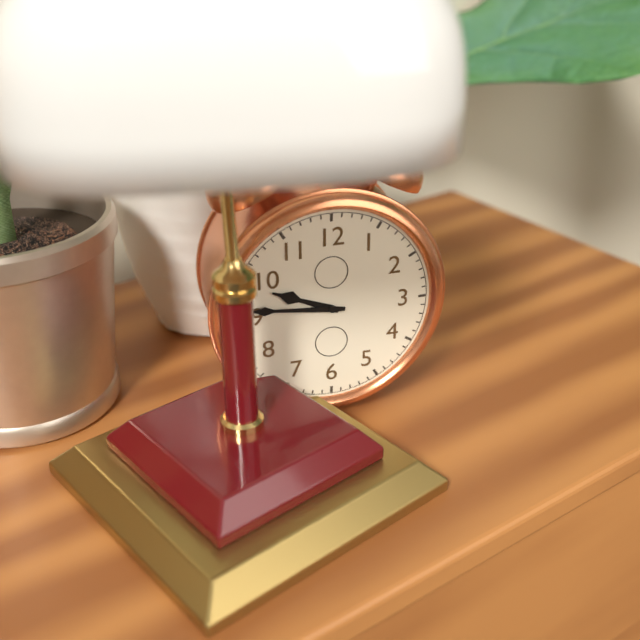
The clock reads {"hour": 9, "minute": 46}
